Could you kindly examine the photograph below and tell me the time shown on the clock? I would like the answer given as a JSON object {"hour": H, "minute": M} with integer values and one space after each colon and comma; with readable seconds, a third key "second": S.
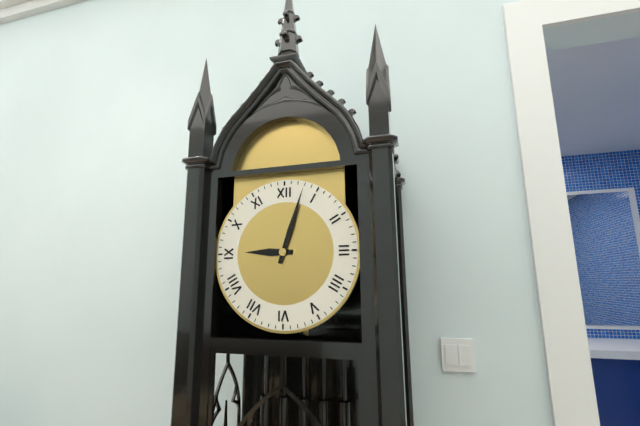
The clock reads {"hour": 9, "minute": 3}
